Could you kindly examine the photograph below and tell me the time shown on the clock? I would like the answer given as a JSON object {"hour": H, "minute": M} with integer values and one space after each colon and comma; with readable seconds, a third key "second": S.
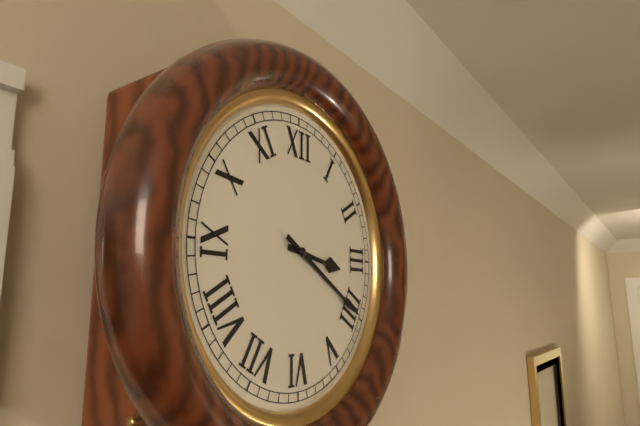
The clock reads {"hour": 3, "minute": 20}
